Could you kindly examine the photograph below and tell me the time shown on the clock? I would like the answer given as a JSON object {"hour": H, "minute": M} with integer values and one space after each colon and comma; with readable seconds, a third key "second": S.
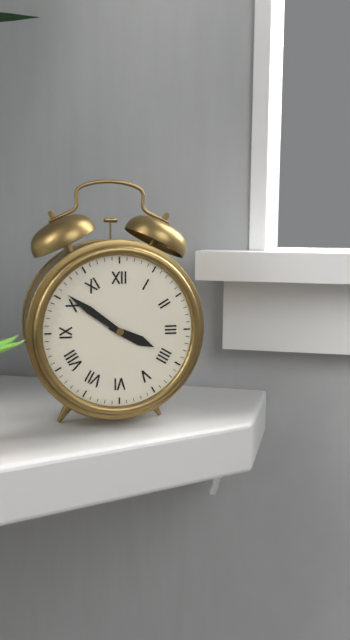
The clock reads {"hour": 3, "minute": 51}
